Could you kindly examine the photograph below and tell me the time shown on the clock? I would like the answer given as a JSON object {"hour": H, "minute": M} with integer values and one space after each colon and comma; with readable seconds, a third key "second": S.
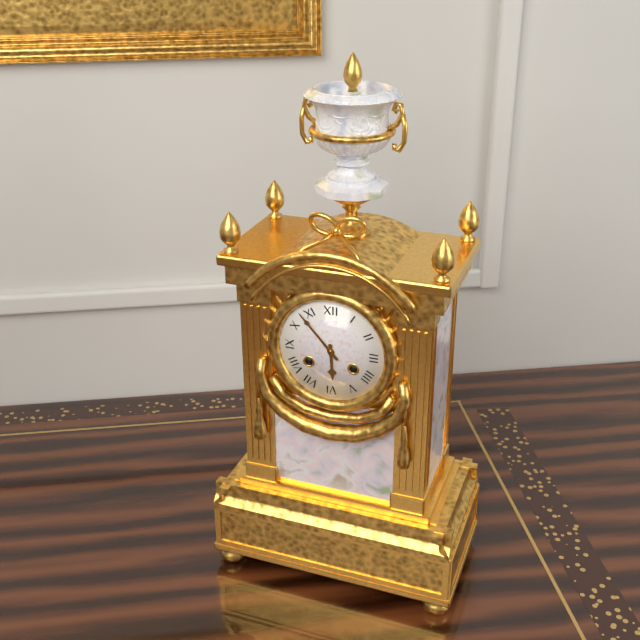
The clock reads {"hour": 5, "minute": 53}
